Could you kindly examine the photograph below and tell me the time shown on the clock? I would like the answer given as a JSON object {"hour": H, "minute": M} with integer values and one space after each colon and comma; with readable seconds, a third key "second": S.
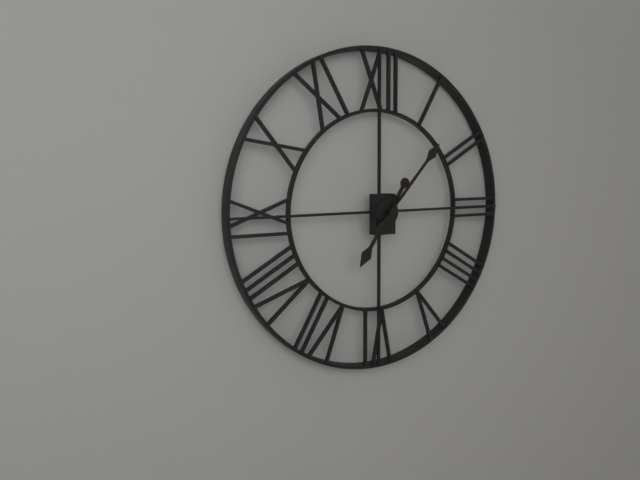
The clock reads {"hour": 7, "minute": 7}
